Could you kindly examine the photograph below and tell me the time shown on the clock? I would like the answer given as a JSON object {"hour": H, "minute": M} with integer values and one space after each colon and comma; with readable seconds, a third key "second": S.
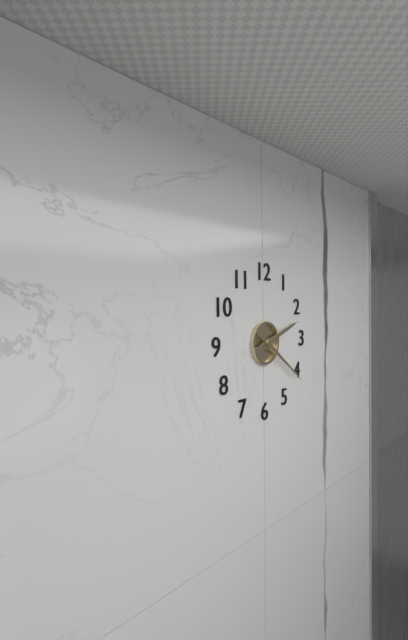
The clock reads {"hour": 2, "minute": 21}
